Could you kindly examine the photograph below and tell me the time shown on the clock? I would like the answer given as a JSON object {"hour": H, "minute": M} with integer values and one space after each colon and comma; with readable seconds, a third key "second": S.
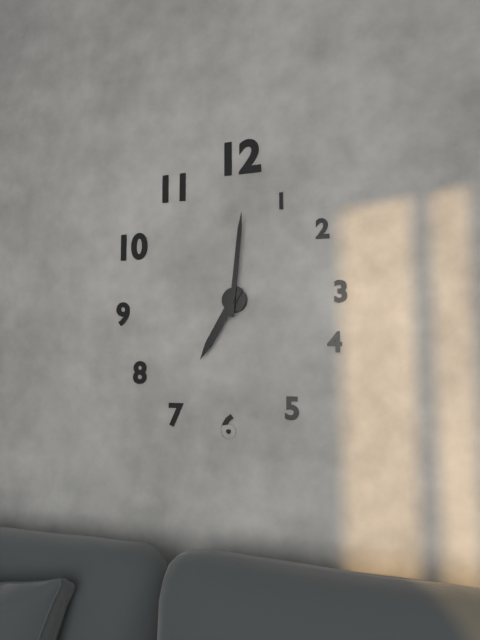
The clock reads {"hour": 7, "minute": 1}
